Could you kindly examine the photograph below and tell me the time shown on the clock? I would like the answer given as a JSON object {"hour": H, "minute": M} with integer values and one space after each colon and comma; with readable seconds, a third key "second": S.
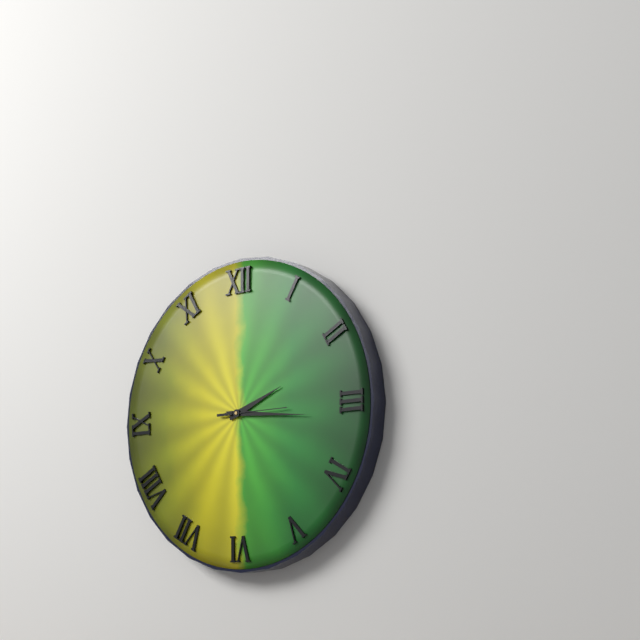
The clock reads {"hour": 2, "minute": 16, "second": 15}
